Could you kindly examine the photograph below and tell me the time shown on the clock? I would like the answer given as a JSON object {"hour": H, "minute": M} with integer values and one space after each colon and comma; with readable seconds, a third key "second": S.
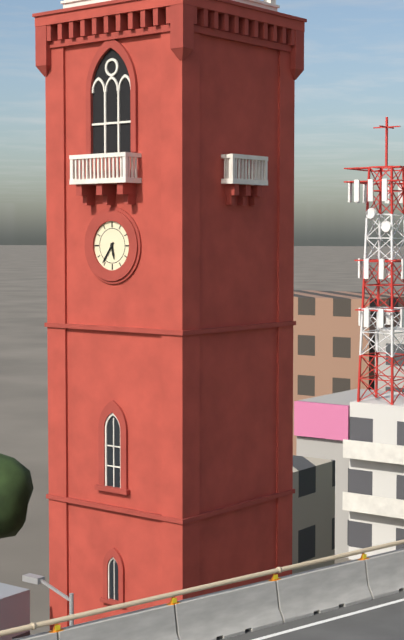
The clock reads {"hour": 5, "minute": 36}
